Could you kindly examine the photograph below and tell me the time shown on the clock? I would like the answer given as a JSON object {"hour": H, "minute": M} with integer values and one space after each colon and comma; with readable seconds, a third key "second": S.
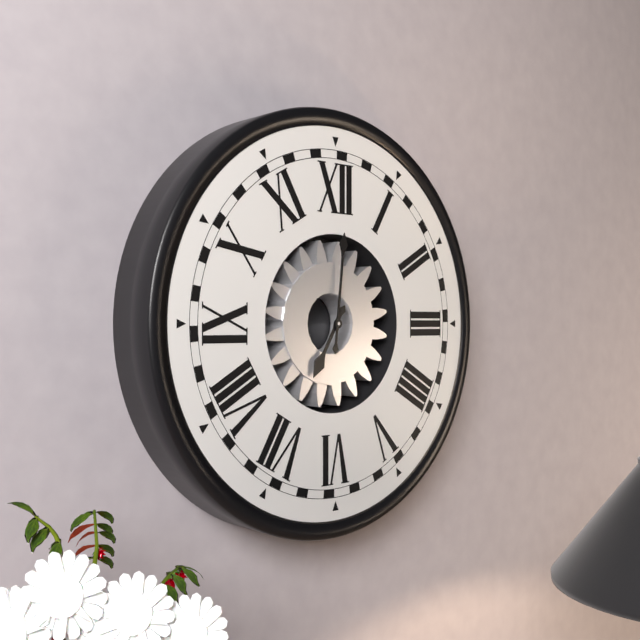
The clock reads {"hour": 7, "minute": 1}
